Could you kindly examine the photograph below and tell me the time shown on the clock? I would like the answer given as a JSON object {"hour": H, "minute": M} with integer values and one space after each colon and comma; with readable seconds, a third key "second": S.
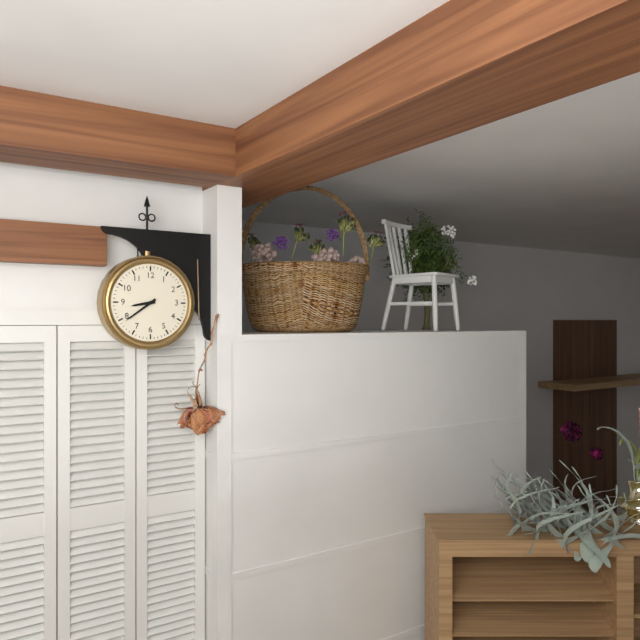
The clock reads {"hour": 8, "minute": 39}
